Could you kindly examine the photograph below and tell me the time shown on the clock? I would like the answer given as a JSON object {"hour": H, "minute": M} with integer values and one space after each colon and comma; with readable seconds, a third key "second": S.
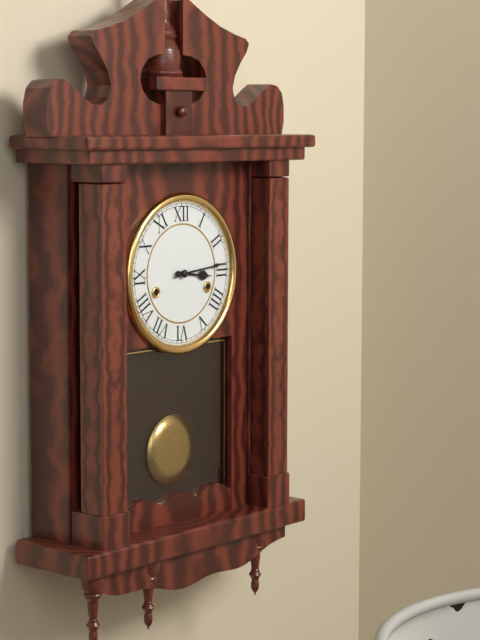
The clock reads {"hour": 3, "minute": 14}
